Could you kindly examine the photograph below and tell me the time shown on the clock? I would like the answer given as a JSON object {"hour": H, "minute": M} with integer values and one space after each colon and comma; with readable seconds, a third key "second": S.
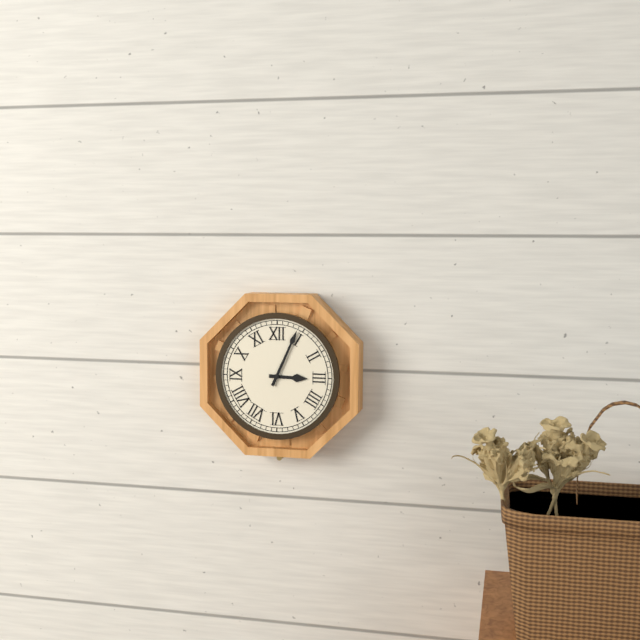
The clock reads {"hour": 3, "minute": 4}
